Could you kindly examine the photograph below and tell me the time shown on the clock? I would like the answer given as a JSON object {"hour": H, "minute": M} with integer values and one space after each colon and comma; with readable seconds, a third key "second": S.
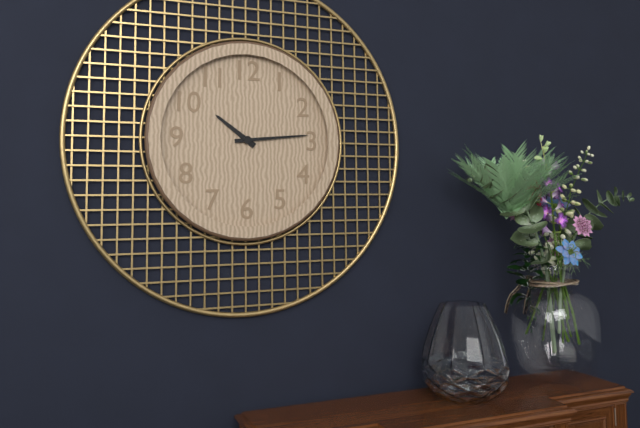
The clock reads {"hour": 10, "minute": 14}
